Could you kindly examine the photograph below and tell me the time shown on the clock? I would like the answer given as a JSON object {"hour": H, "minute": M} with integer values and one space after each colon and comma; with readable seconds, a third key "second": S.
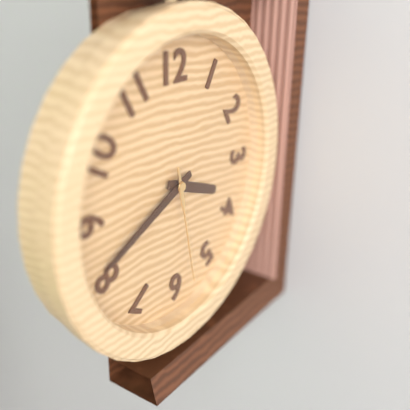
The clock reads {"hour": 3, "minute": 41, "second": 28}
